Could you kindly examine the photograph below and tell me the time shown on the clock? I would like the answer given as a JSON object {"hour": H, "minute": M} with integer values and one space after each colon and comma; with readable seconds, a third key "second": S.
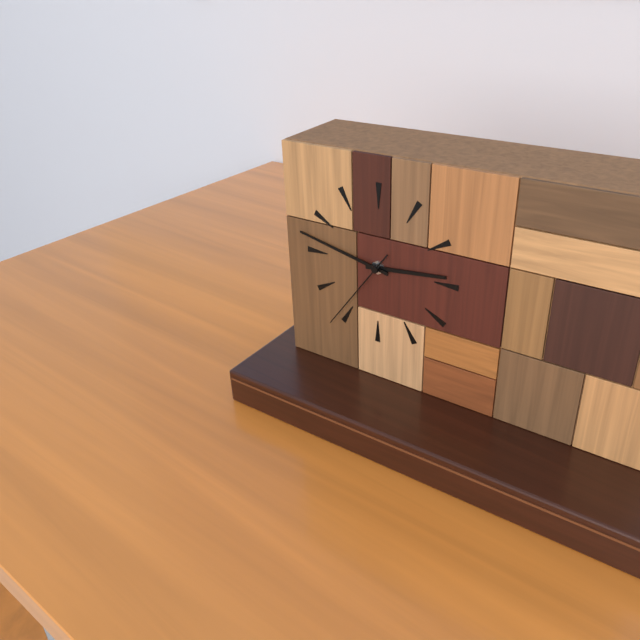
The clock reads {"hour": 2, "minute": 47, "second": 36}
